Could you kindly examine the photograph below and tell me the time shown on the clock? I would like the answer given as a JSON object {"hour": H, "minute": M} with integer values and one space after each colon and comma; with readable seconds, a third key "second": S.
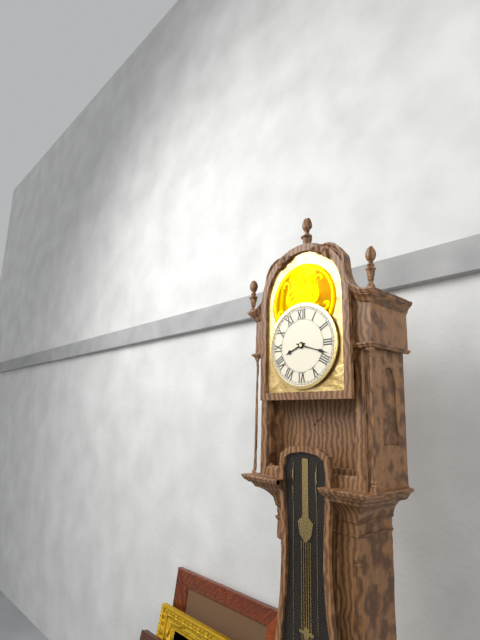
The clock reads {"hour": 8, "minute": 18}
